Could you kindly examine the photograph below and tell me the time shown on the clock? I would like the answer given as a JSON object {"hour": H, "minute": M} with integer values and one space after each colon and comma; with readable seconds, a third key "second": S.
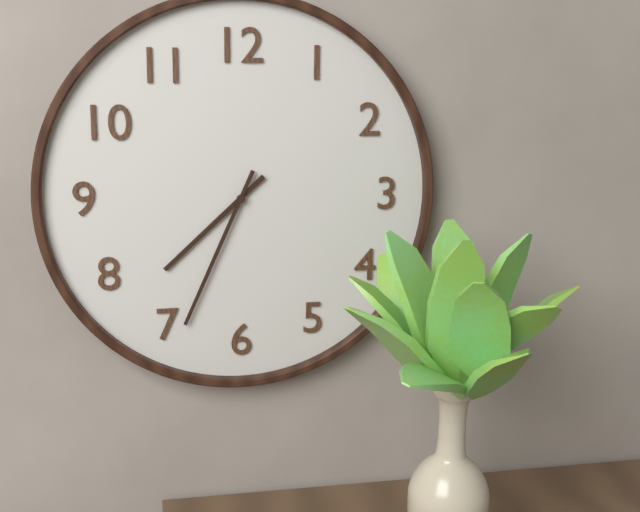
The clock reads {"hour": 7, "minute": 34}
